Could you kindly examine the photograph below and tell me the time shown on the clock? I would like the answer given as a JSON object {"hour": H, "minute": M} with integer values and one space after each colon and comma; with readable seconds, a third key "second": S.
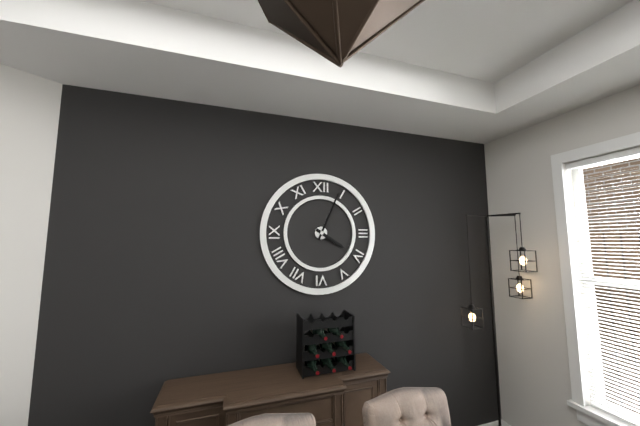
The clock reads {"hour": 4, "minute": 4}
